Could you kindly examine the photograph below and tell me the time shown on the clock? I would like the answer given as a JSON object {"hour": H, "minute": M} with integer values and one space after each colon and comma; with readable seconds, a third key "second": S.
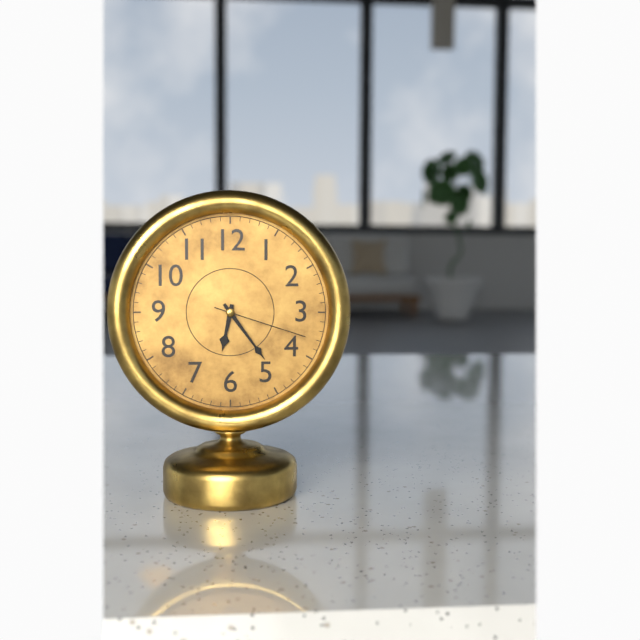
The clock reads {"hour": 6, "minute": 24, "second": 18}
